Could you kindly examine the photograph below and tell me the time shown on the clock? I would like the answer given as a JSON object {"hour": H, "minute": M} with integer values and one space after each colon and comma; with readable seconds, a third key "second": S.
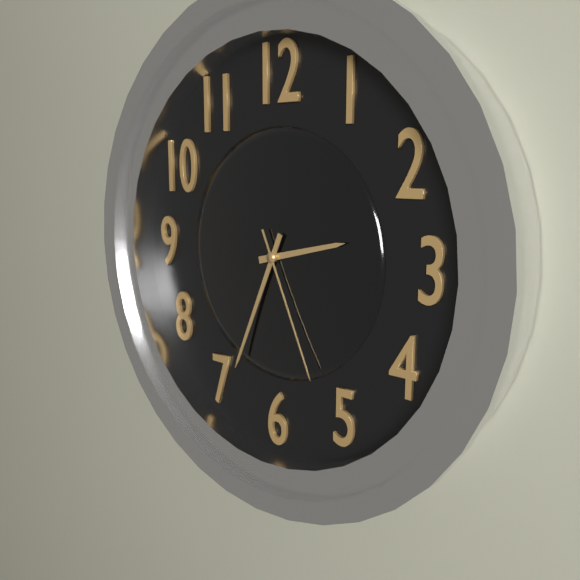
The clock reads {"hour": 2, "minute": 34, "second": 26}
